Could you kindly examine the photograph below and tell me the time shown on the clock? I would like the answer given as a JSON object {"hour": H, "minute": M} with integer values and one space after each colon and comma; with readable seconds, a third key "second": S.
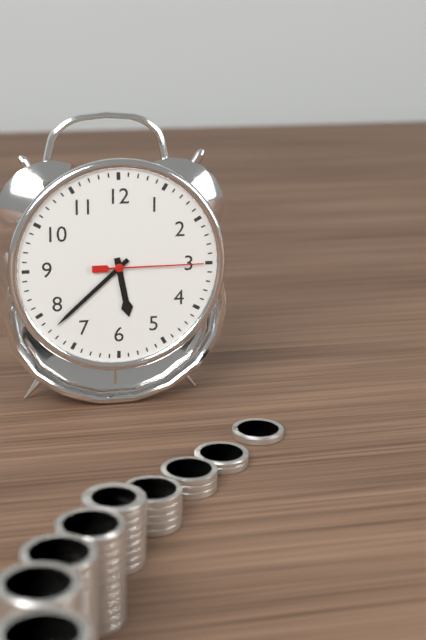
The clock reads {"hour": 5, "minute": 38, "second": 15}
